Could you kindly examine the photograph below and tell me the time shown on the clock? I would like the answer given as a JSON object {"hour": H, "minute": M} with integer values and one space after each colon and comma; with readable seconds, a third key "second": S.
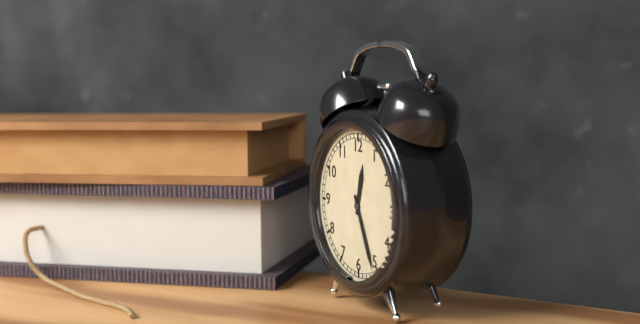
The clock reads {"hour": 12, "minute": 26}
